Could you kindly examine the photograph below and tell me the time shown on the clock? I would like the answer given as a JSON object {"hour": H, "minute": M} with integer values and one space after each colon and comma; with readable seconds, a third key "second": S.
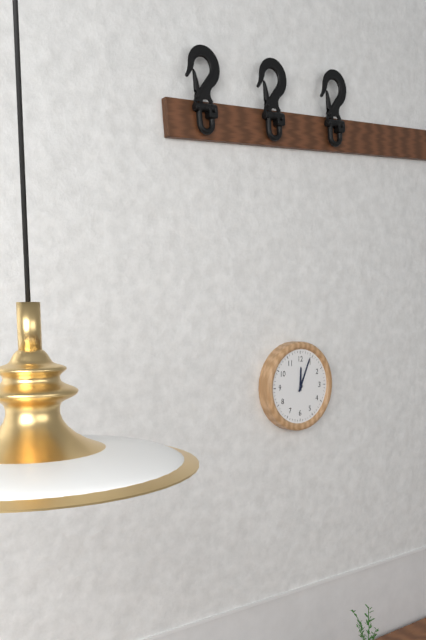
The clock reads {"hour": 12, "minute": 4}
